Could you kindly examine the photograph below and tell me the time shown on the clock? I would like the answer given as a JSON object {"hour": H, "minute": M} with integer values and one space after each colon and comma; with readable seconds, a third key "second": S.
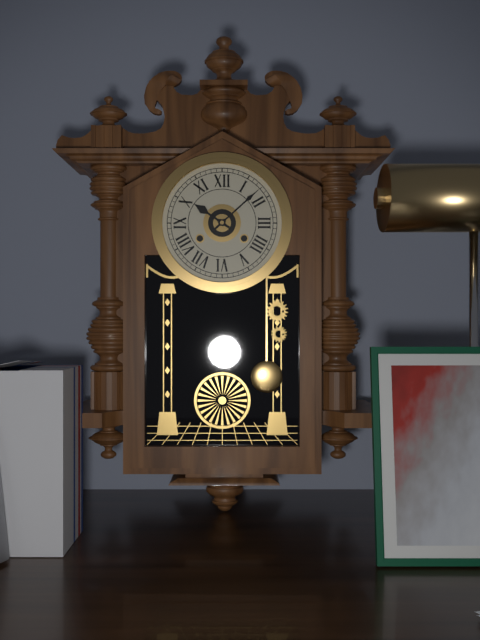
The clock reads {"hour": 10, "minute": 8}
